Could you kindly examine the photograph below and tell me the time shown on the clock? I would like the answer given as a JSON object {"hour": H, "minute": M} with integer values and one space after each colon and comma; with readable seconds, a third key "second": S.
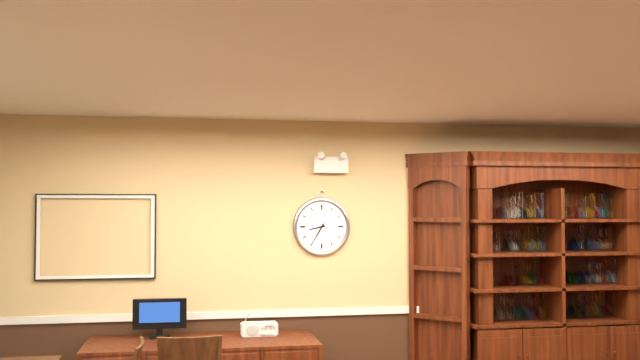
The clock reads {"hour": 8, "minute": 35}
